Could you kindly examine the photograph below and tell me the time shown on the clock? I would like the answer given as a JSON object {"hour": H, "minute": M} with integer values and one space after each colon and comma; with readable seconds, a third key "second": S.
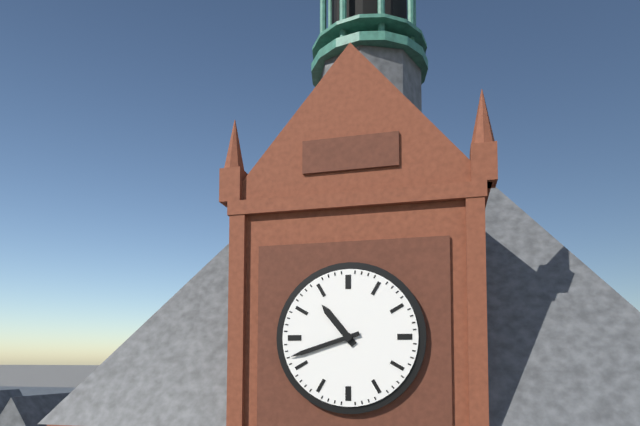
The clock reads {"hour": 10, "minute": 42}
